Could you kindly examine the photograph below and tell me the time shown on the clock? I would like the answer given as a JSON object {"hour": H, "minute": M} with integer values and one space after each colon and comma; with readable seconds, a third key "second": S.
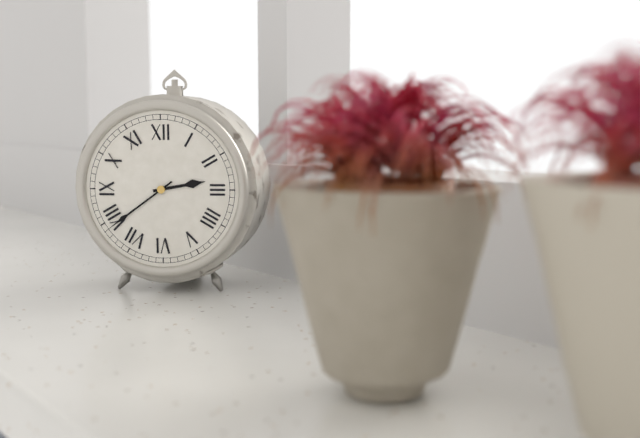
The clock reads {"hour": 2, "minute": 39}
